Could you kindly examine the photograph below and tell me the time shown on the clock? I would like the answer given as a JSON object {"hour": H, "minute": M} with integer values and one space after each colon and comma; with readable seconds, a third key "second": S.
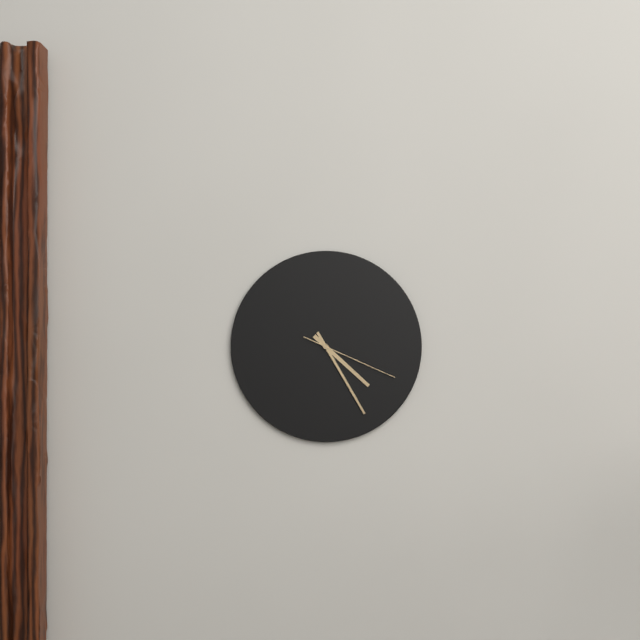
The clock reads {"hour": 4, "minute": 25, "second": 19}
